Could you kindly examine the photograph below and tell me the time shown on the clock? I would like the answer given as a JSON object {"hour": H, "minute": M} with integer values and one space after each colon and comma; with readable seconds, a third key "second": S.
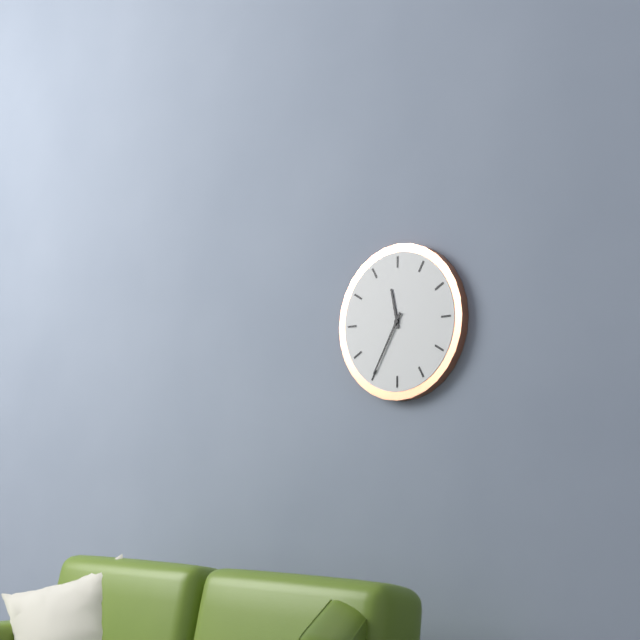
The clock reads {"hour": 11, "minute": 35}
